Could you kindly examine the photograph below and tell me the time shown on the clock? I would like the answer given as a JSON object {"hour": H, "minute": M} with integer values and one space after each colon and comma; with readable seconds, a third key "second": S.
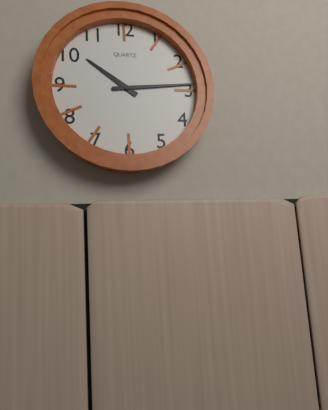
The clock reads {"hour": 10, "minute": 14}
